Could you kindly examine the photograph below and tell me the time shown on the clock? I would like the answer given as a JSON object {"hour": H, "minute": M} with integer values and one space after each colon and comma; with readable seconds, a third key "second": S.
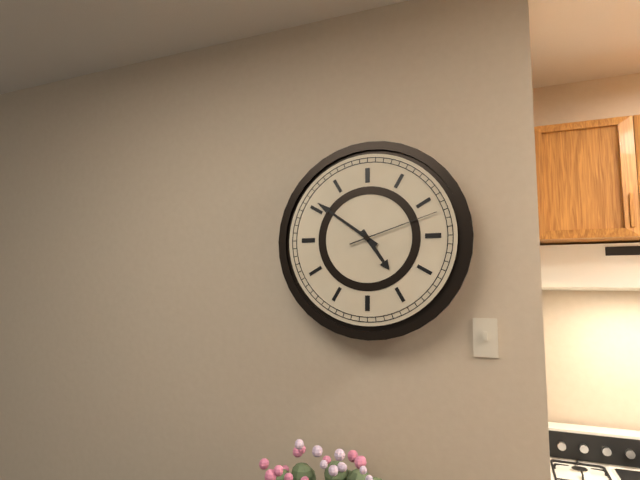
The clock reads {"hour": 4, "minute": 51, "second": 12}
